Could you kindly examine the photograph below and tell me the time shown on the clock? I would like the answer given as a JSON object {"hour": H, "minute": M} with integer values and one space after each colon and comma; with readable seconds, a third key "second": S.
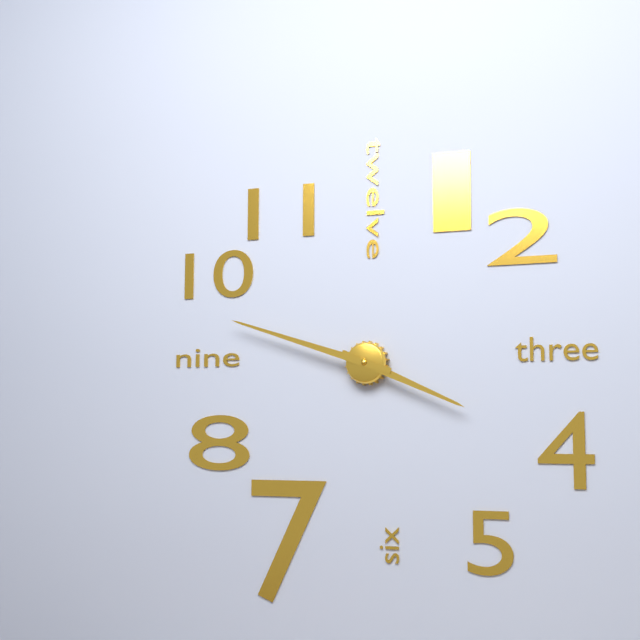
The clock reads {"hour": 3, "minute": 48}
